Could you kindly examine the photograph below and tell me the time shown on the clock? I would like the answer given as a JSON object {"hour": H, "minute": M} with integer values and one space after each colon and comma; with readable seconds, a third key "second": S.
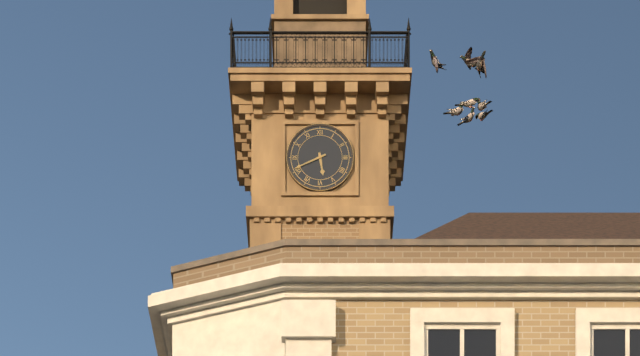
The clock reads {"hour": 5, "minute": 41}
